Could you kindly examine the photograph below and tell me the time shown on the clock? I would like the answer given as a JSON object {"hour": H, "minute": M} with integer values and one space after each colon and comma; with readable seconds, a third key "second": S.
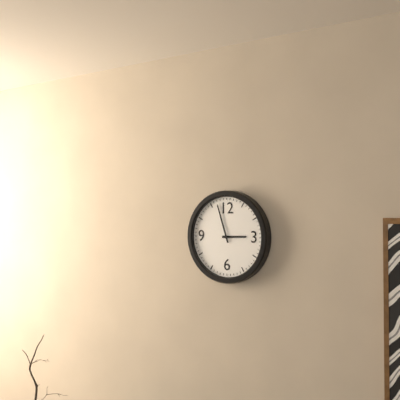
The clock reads {"hour": 2, "minute": 57}
